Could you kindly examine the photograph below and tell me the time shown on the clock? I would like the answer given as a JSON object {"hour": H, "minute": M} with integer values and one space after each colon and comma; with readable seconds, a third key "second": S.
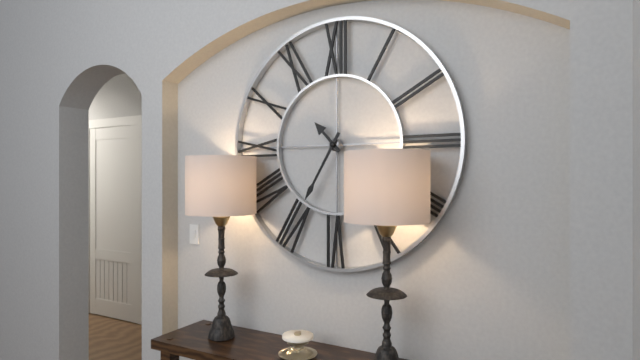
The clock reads {"hour": 10, "minute": 35}
